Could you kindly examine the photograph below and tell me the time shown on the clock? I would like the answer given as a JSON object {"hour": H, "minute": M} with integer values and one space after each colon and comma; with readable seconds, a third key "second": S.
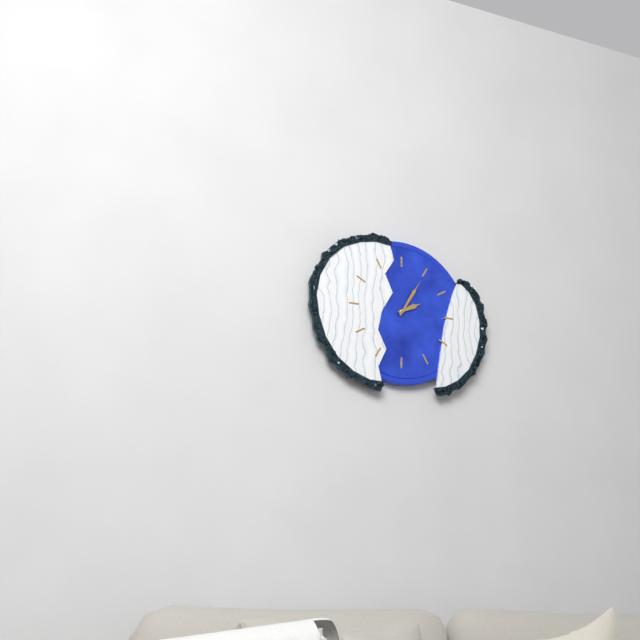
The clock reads {"hour": 2, "minute": 5}
